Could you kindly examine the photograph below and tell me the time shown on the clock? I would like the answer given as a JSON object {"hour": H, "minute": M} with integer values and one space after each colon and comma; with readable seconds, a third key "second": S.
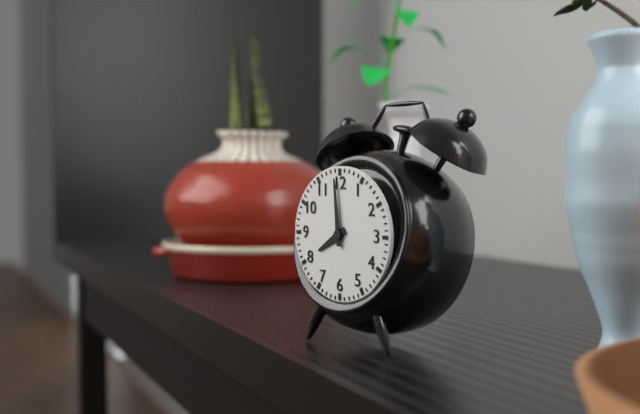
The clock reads {"hour": 7, "minute": 59}
